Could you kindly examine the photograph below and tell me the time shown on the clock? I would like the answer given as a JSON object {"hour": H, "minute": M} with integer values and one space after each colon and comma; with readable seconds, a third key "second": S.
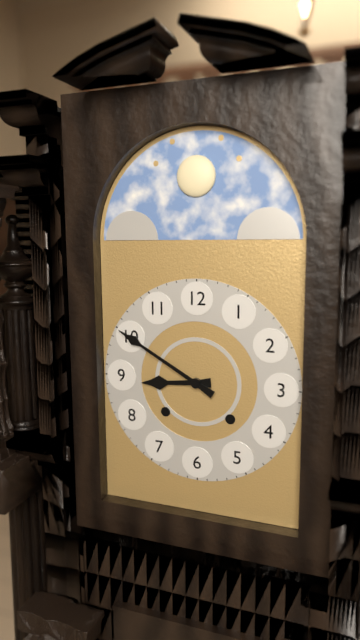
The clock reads {"hour": 8, "minute": 50}
